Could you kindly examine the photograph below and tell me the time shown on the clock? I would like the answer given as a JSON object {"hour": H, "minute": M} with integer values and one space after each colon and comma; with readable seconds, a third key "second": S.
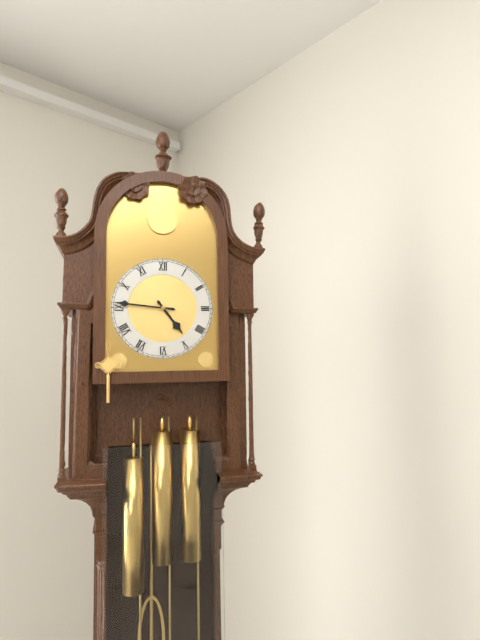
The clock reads {"hour": 4, "minute": 46}
